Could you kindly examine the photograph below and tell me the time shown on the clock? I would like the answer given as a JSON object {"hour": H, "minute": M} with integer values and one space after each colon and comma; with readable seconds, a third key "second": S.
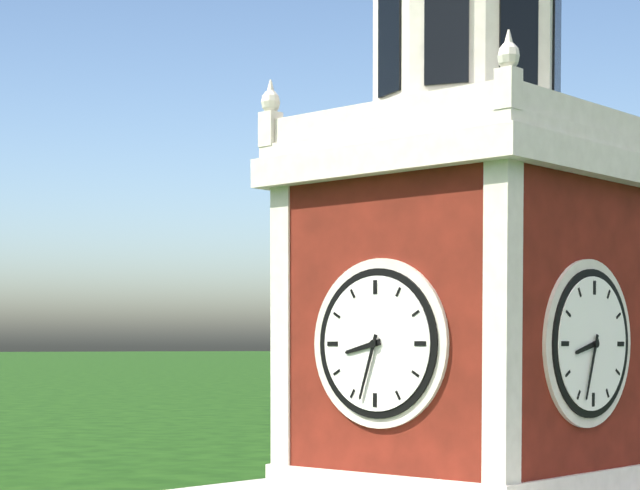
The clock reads {"hour": 8, "minute": 33}
